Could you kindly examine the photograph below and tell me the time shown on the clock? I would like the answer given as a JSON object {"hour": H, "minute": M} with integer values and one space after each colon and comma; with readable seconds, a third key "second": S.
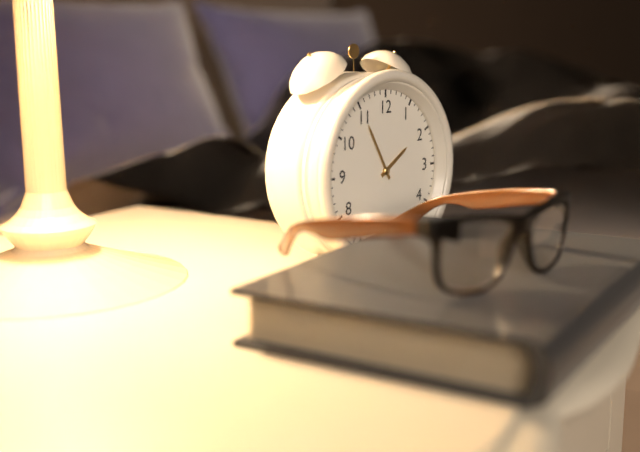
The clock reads {"hour": 1, "minute": 55}
